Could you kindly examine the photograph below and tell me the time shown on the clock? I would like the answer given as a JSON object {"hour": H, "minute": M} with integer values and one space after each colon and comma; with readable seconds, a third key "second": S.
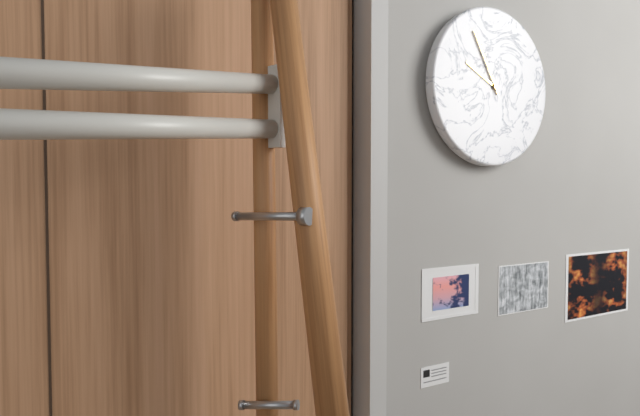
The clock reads {"hour": 9, "minute": 55}
